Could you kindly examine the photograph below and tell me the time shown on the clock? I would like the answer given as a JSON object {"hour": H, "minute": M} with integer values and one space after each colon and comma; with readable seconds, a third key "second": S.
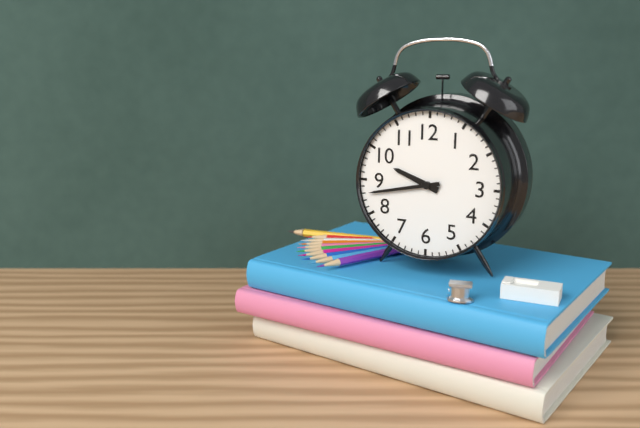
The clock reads {"hour": 9, "minute": 43}
